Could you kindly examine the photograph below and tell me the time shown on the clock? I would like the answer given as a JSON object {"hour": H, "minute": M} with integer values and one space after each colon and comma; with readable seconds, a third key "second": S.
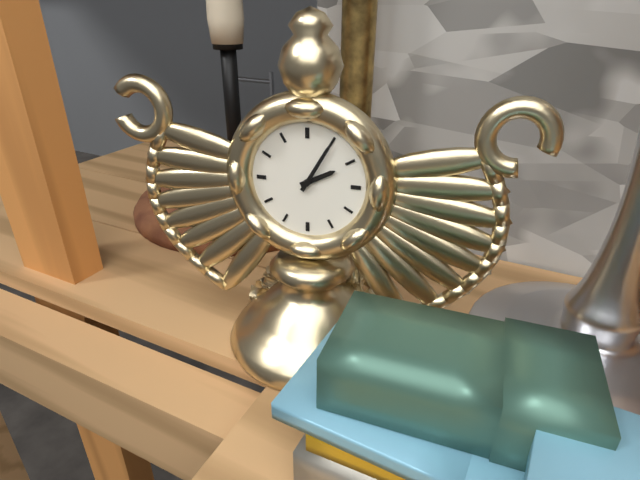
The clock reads {"hour": 2, "minute": 5}
